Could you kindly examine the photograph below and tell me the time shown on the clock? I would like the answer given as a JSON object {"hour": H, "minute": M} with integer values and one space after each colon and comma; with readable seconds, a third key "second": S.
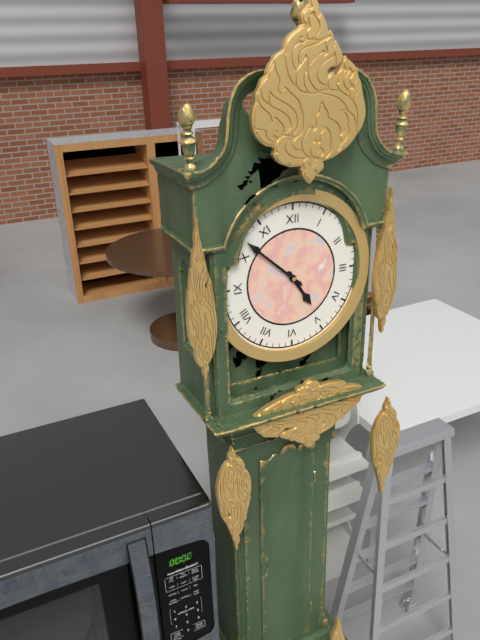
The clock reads {"hour": 4, "minute": 52}
